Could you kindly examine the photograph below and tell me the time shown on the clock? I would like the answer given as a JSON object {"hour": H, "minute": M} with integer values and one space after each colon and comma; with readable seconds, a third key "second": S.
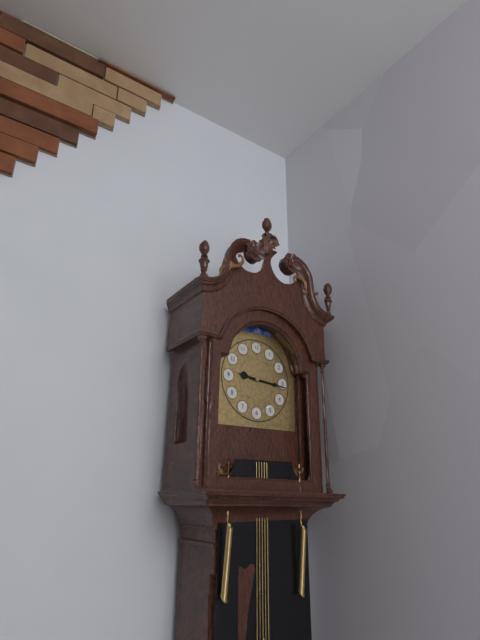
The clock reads {"hour": 9, "minute": 16}
